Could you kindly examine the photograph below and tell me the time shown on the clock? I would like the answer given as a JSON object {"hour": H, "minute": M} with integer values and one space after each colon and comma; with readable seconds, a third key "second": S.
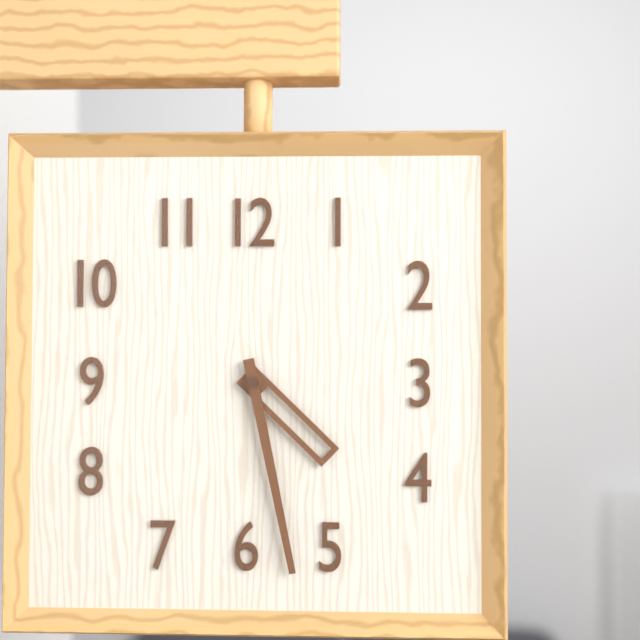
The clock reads {"hour": 4, "minute": 28}
